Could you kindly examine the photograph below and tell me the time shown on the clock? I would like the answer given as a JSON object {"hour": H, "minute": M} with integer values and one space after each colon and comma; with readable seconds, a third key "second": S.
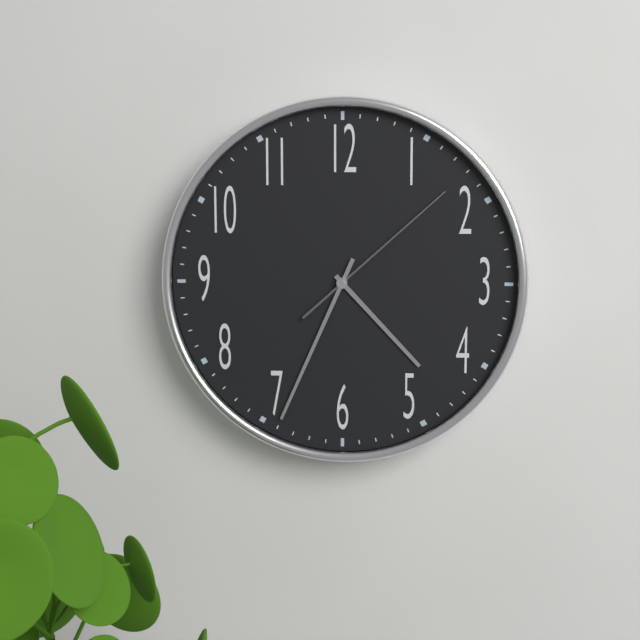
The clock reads {"hour": 4, "minute": 34, "second": 8}
